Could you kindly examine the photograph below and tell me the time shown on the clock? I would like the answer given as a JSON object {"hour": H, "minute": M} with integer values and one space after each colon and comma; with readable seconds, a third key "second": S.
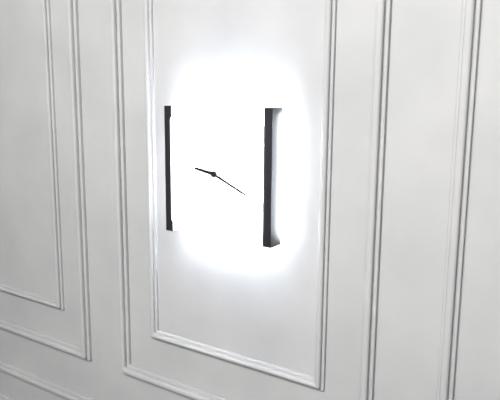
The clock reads {"hour": 9, "minute": 19}
